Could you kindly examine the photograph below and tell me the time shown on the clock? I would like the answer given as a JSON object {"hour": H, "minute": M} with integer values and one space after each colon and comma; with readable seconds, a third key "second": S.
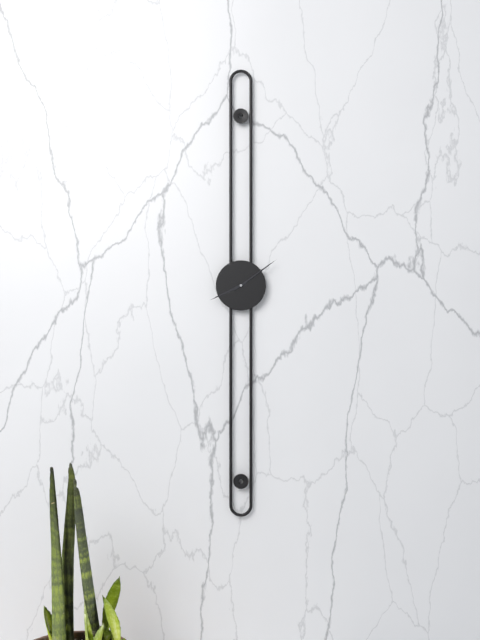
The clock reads {"hour": 8, "minute": 9}
